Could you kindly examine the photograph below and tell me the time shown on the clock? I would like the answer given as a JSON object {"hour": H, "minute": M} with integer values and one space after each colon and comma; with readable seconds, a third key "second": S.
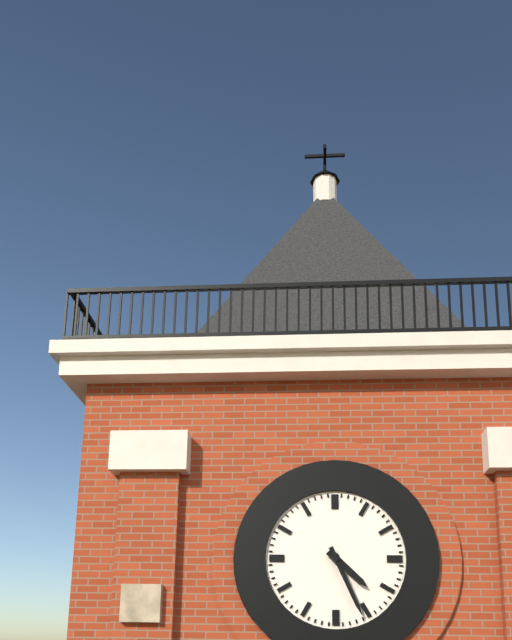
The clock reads {"hour": 4, "minute": 26}
